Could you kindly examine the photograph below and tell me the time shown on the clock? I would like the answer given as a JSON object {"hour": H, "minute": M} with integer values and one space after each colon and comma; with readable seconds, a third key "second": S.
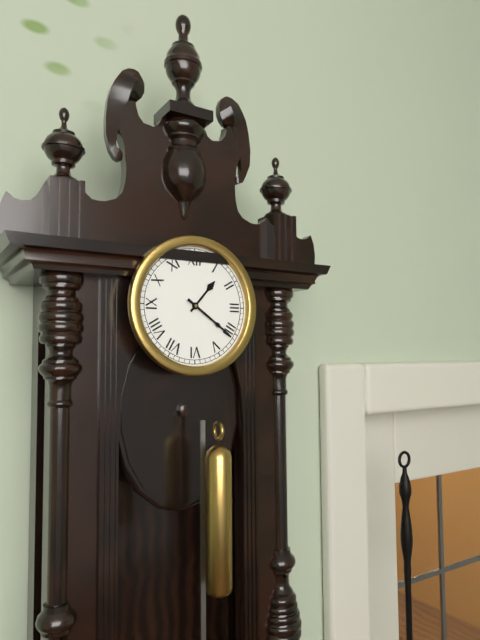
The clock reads {"hour": 1, "minute": 21}
